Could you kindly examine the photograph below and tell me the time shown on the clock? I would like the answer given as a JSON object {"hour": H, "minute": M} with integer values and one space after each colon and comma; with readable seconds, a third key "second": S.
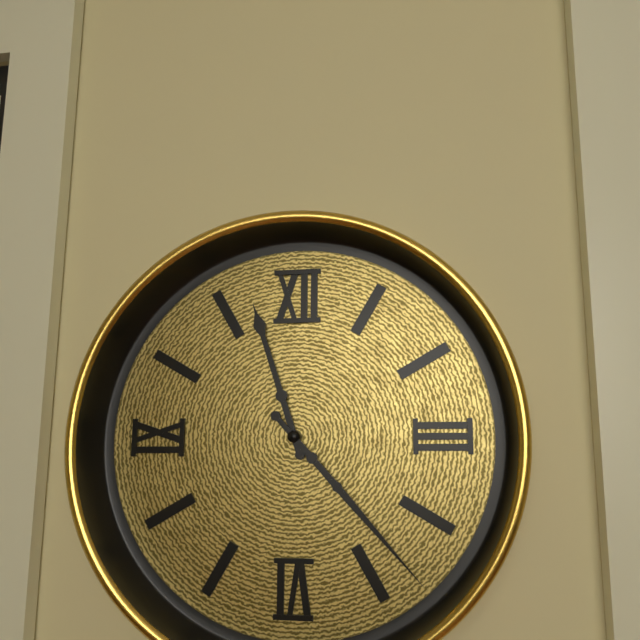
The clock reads {"hour": 11, "minute": 23}
